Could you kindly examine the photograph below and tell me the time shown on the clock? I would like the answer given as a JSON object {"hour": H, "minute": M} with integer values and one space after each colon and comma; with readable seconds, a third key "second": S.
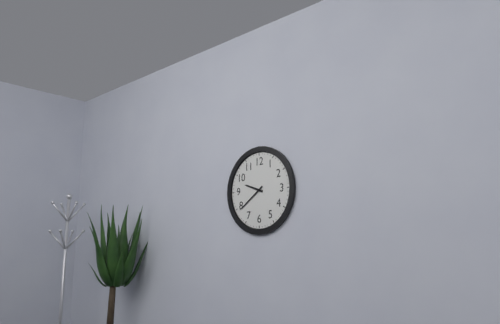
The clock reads {"hour": 9, "minute": 39}
